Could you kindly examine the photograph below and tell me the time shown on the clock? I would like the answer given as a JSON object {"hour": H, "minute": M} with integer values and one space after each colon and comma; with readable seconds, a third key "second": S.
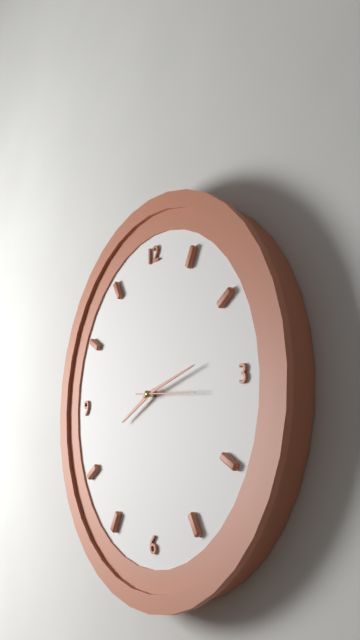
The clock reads {"hour": 8, "minute": 13, "second": 16}
